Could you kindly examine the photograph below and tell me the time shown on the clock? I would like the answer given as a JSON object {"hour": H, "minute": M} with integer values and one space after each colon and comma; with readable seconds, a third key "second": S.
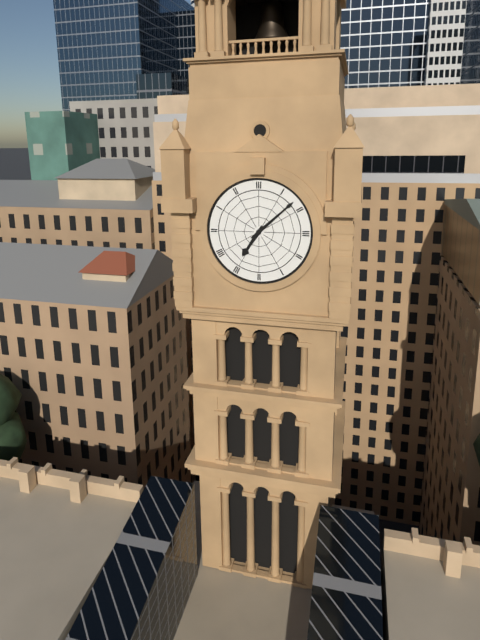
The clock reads {"hour": 7, "minute": 8}
